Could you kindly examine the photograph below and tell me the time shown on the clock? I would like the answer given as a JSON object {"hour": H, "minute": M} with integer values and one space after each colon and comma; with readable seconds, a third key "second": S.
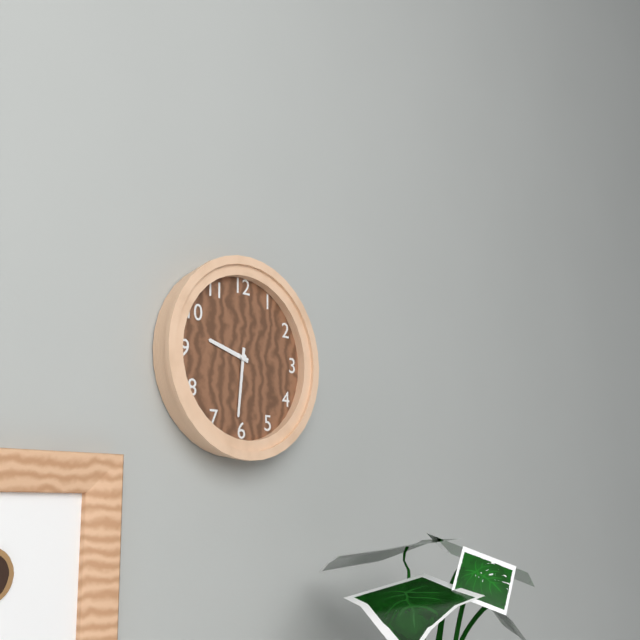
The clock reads {"hour": 9, "minute": 31}
